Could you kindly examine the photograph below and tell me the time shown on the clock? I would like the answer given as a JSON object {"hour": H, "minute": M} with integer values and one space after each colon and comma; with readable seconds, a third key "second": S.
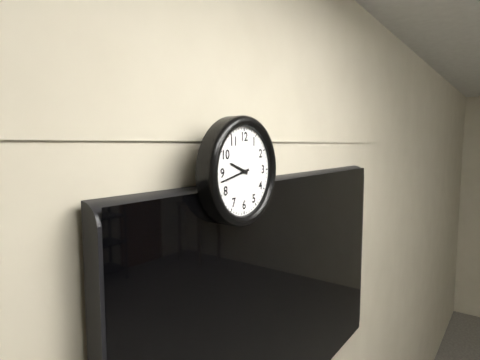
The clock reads {"hour": 9, "minute": 43}
